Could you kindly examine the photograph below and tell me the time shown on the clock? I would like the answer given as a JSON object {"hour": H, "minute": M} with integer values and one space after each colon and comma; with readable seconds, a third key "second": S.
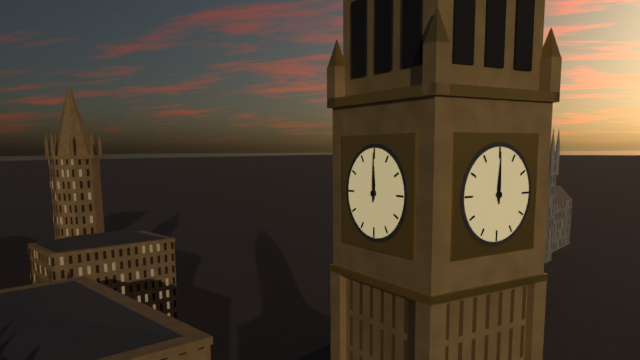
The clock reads {"hour": 12, "minute": 0}
